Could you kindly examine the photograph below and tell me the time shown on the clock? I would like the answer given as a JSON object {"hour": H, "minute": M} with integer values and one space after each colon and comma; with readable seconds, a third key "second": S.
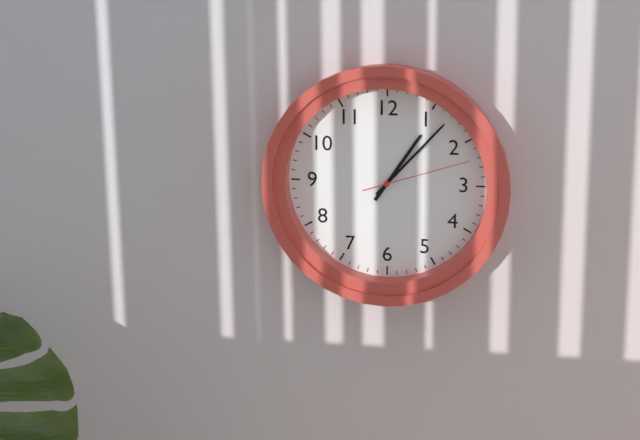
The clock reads {"hour": 1, "minute": 7, "second": 12}
